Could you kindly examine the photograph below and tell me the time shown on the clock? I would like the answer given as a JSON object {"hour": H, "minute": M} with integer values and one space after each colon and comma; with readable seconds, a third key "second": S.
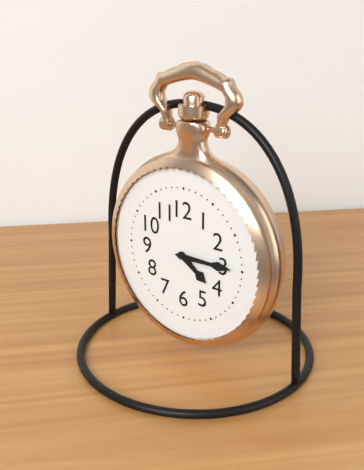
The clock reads {"hour": 4, "minute": 15}
